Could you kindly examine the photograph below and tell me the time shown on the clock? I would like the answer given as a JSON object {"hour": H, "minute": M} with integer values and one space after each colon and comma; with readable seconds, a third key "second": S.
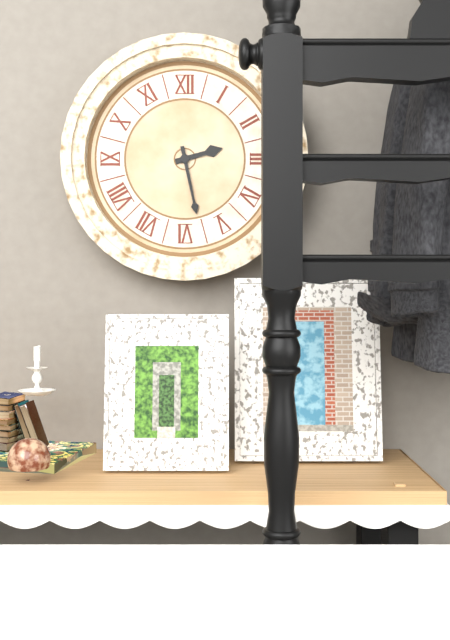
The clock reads {"hour": 2, "minute": 28}
